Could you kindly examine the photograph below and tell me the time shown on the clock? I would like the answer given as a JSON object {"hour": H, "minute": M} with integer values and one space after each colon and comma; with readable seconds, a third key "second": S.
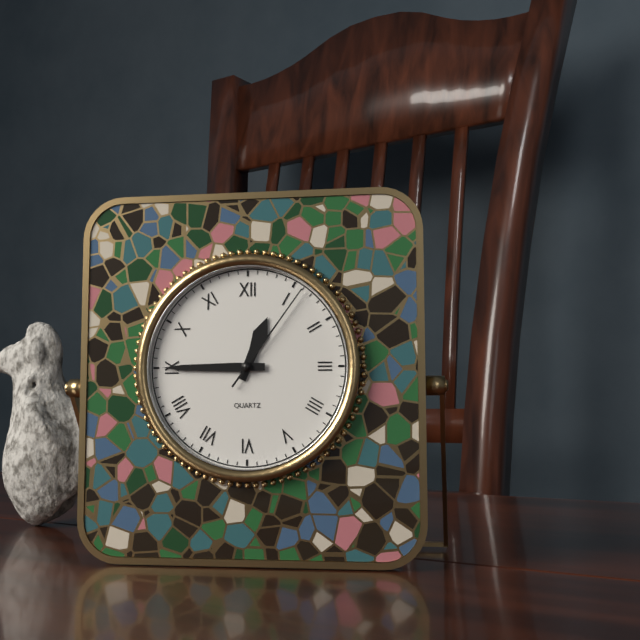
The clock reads {"hour": 12, "minute": 45, "second": 6}
